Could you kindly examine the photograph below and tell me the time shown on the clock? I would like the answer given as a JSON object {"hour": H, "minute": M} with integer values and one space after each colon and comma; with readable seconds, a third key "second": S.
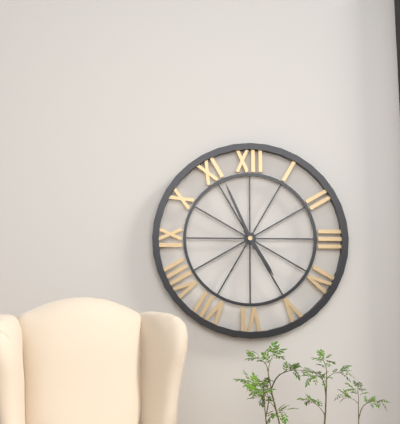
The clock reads {"hour": 4, "minute": 56}
